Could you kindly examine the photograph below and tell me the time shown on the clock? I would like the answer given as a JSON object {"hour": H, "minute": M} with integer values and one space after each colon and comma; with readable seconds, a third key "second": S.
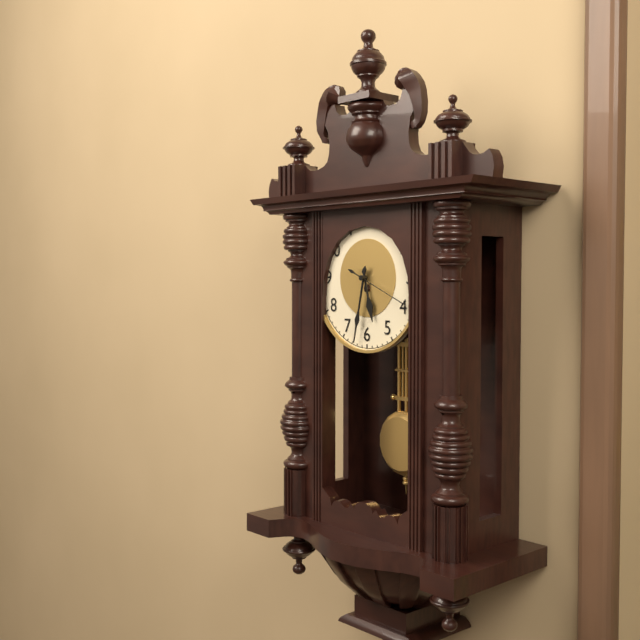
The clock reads {"hour": 5, "minute": 32, "second": 19}
